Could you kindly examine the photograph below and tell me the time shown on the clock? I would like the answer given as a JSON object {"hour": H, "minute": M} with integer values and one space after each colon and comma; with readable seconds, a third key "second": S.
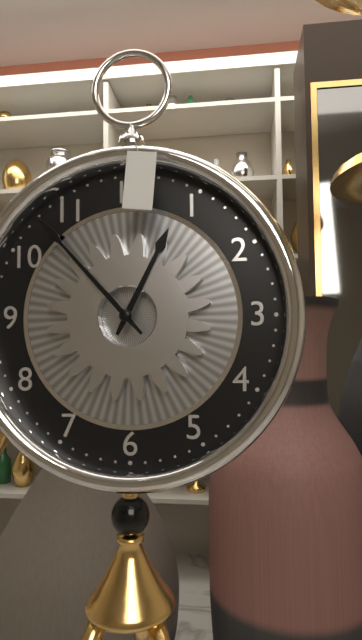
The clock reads {"hour": 12, "minute": 53}
